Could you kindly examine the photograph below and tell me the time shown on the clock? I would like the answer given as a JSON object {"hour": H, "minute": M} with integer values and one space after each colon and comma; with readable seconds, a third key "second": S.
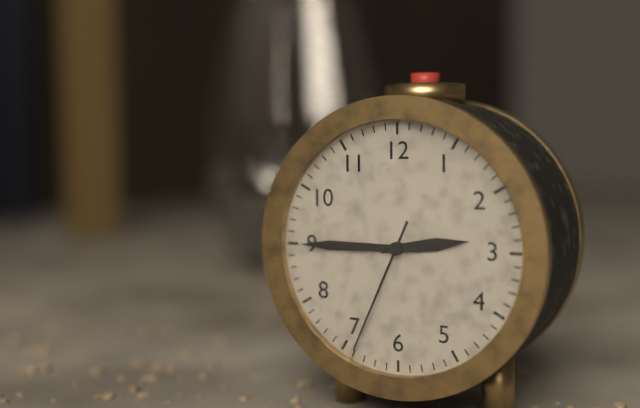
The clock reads {"hour": 2, "minute": 45, "second": 34}
